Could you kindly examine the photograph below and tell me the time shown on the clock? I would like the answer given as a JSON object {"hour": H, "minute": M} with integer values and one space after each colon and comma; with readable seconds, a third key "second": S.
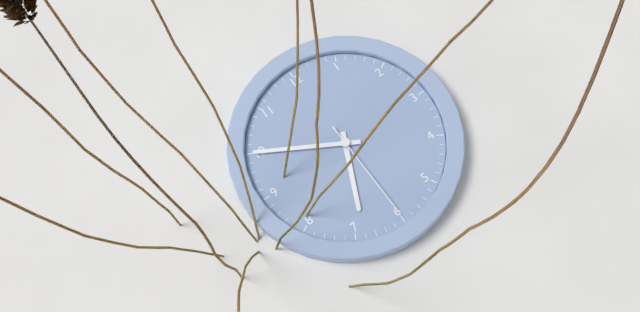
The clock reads {"hour": 6, "minute": 50, "second": 30}
